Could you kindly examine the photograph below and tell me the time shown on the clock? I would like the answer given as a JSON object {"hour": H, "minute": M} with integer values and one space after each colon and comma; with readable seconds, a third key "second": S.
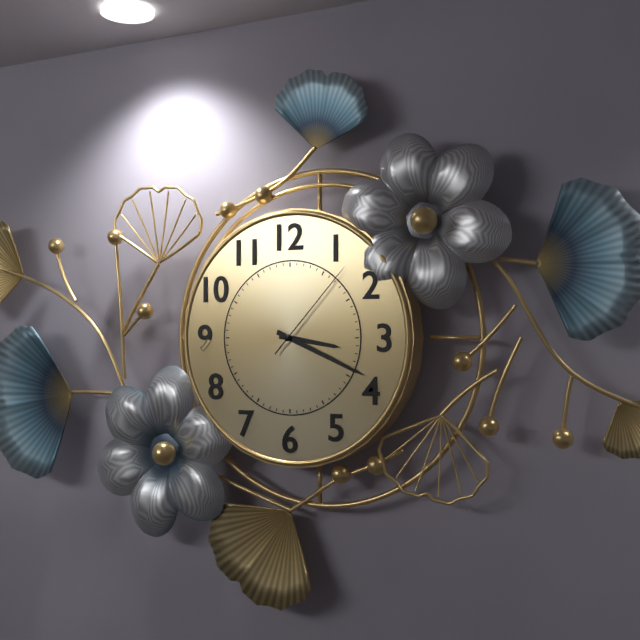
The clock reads {"hour": 3, "minute": 19, "second": 7}
